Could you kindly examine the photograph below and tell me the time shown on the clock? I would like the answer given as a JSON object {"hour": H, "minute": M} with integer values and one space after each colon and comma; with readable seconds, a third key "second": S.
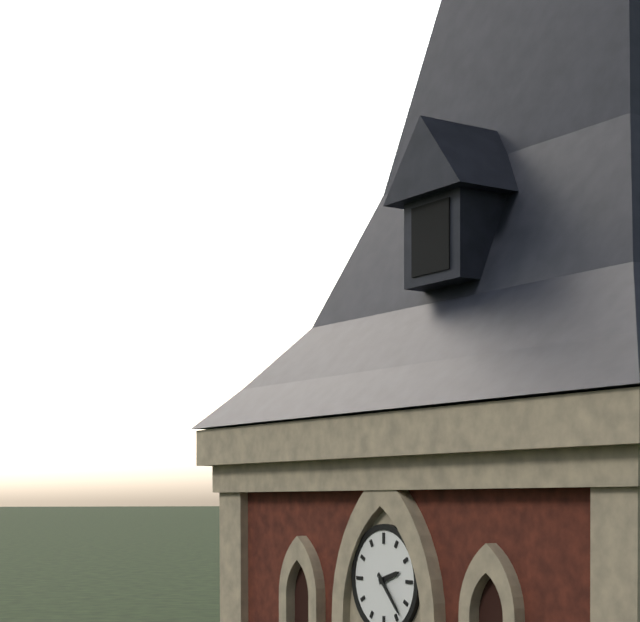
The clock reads {"hour": 2, "minute": 23}
